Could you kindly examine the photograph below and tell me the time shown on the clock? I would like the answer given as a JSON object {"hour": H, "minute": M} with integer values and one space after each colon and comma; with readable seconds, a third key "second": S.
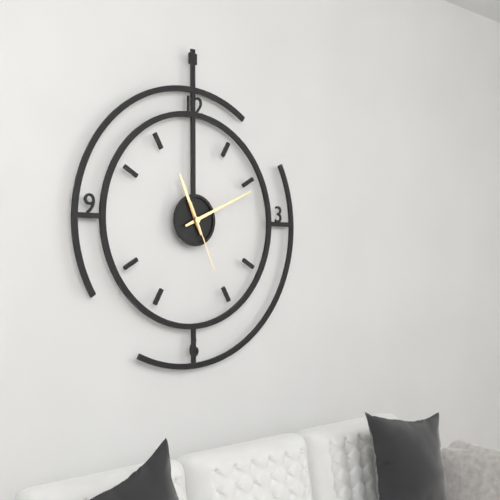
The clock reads {"hour": 11, "minute": 11, "second": 26}
